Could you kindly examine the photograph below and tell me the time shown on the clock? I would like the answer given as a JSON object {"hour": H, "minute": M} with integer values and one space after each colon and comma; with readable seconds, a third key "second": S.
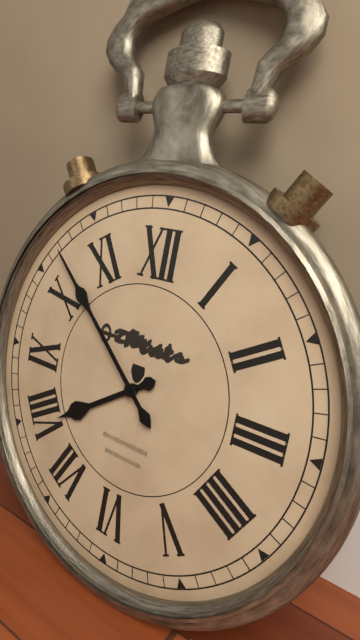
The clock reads {"hour": 7, "minute": 52}
